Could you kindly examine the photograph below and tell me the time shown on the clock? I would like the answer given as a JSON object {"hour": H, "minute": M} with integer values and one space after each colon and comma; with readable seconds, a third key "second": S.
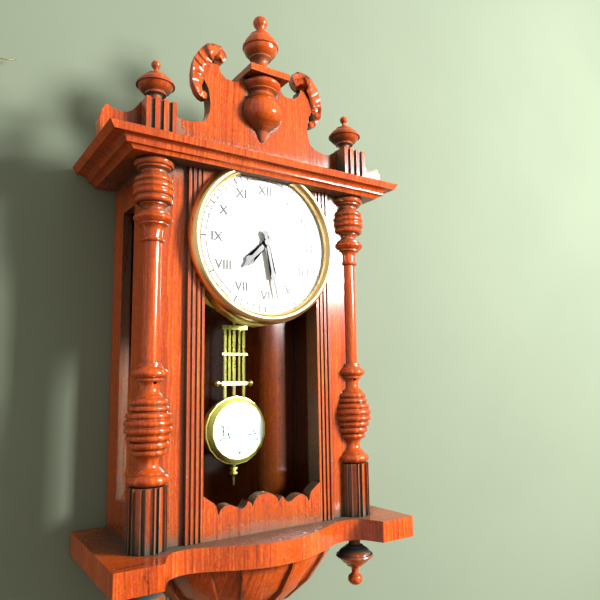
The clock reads {"hour": 7, "minute": 28}
